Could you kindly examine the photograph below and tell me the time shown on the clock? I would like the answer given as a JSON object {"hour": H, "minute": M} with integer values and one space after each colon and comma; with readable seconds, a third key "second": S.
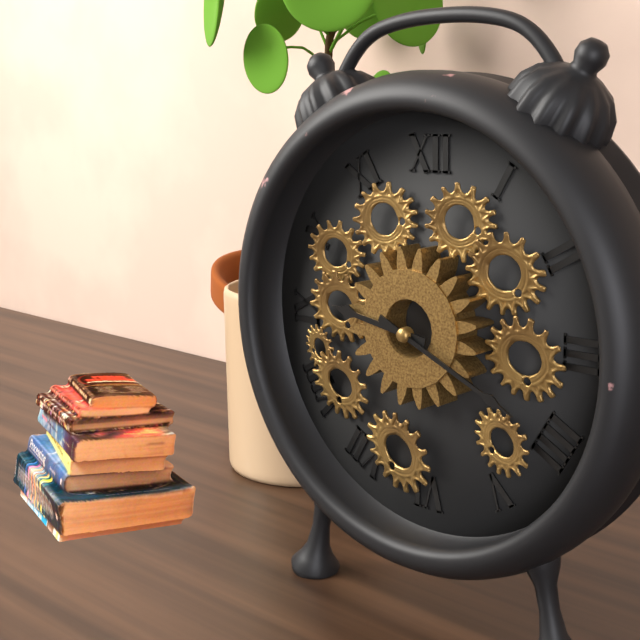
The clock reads {"hour": 9, "minute": 19}
